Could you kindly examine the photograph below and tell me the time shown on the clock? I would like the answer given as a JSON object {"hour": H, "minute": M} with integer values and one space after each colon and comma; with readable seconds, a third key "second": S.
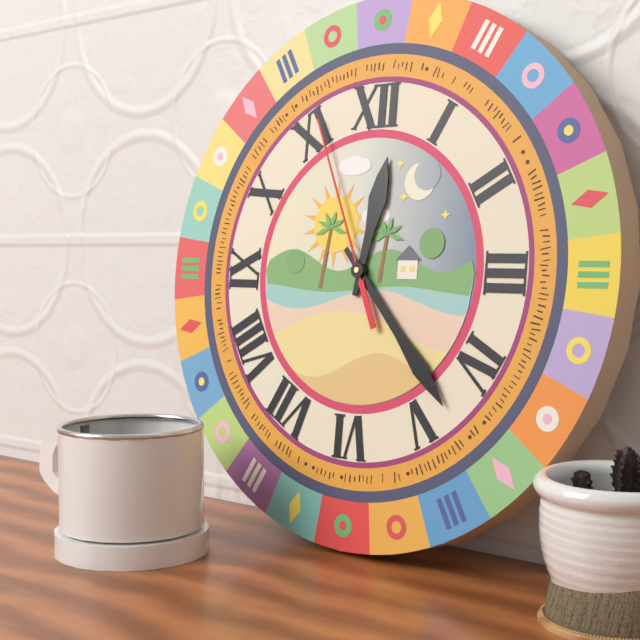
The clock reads {"hour": 12, "minute": 23, "second": 56}
